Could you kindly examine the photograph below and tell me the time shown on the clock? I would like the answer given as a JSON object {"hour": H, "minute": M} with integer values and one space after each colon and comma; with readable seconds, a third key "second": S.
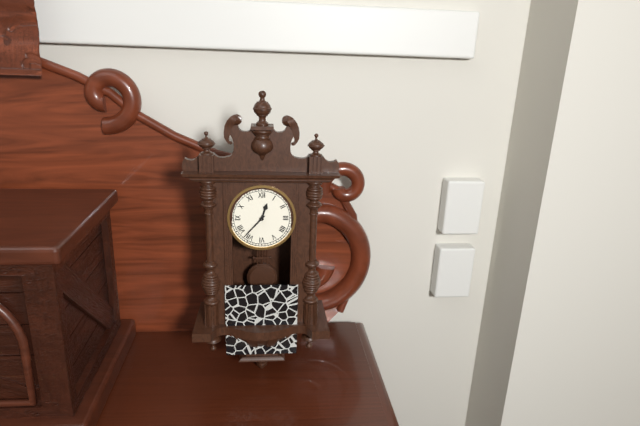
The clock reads {"hour": 12, "minute": 37}
